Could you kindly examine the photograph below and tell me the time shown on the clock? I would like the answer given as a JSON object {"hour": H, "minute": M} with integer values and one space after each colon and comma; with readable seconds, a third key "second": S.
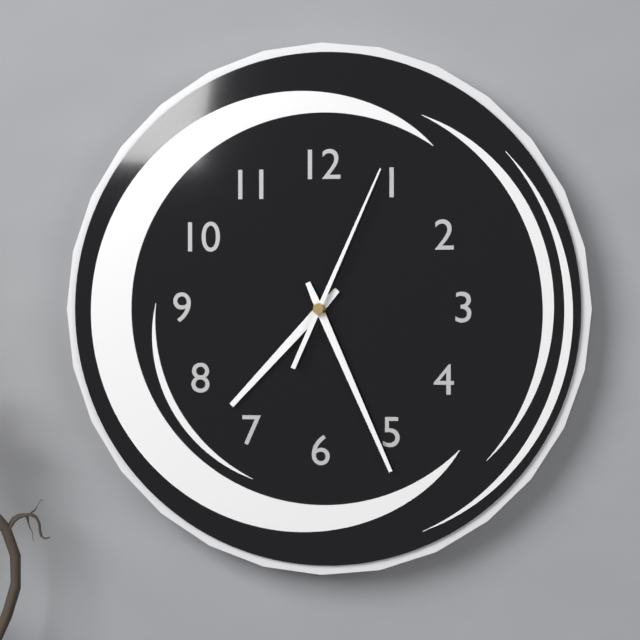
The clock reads {"hour": 7, "minute": 26, "second": 4}
